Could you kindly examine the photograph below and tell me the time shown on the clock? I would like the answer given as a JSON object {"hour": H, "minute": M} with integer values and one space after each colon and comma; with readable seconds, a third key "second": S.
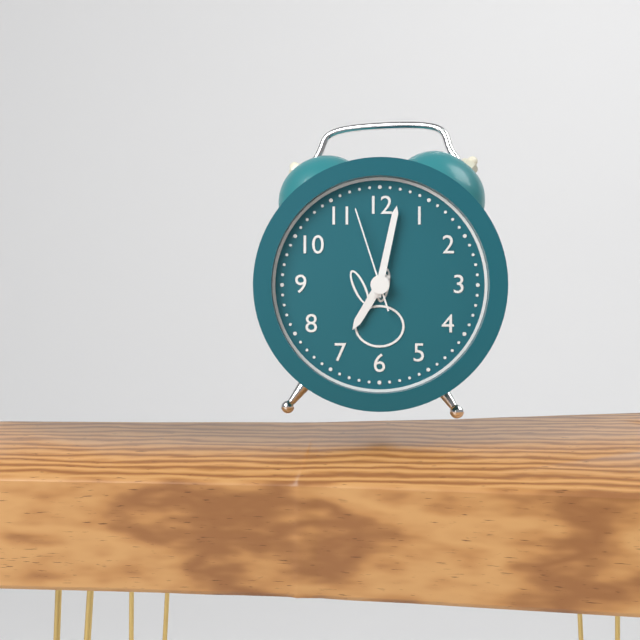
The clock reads {"hour": 7, "minute": 2, "second": 57}
